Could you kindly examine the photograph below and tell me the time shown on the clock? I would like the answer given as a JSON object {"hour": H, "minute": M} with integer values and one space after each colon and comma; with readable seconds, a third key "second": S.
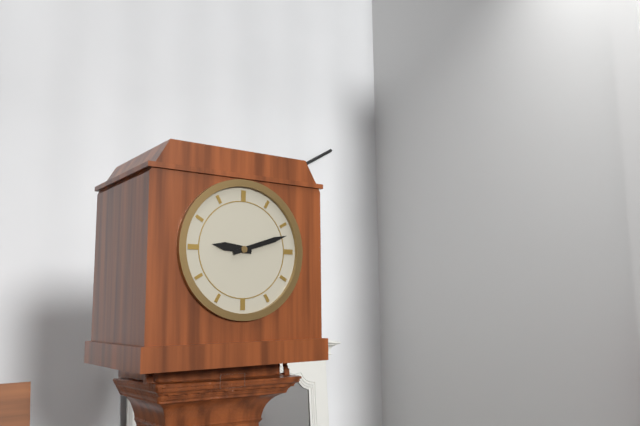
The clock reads {"hour": 9, "minute": 12}
